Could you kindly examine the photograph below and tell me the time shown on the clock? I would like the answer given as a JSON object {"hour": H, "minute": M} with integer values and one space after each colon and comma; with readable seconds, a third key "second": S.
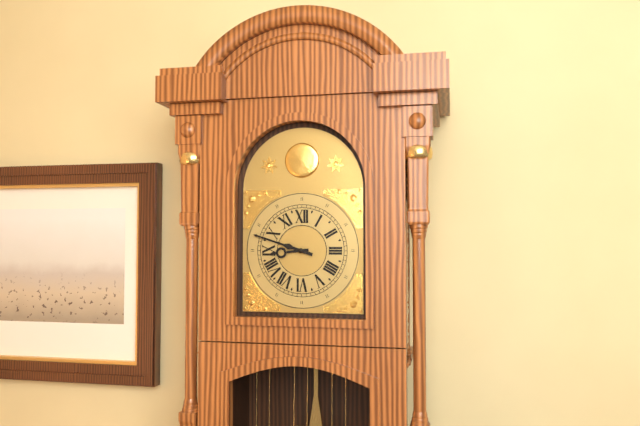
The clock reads {"hour": 8, "minute": 48}
